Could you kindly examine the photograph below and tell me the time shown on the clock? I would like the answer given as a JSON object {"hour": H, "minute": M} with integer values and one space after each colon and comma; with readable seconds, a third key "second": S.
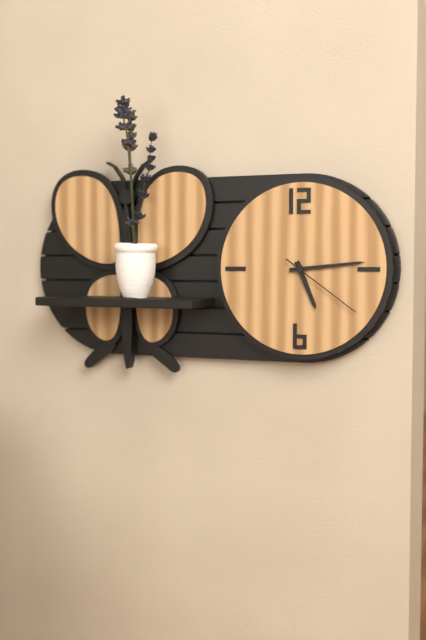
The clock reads {"hour": 5, "minute": 14, "second": 21}
